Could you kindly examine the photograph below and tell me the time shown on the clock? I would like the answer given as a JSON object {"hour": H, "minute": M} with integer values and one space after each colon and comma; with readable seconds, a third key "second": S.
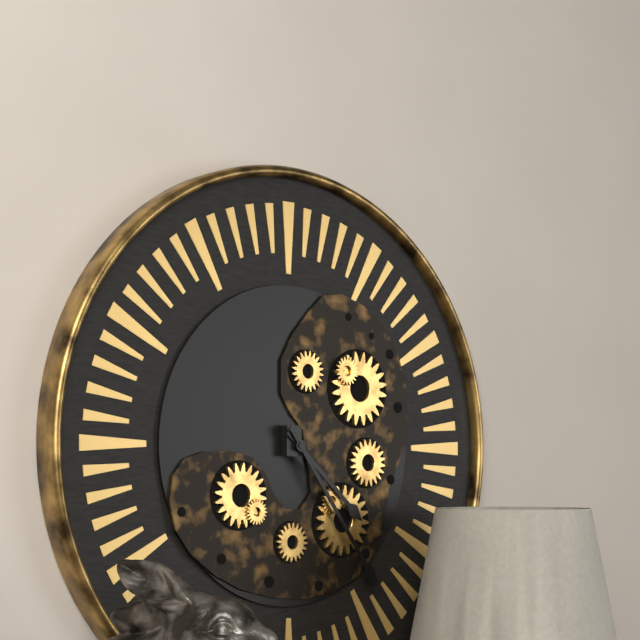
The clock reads {"hour": 4, "minute": 24}
